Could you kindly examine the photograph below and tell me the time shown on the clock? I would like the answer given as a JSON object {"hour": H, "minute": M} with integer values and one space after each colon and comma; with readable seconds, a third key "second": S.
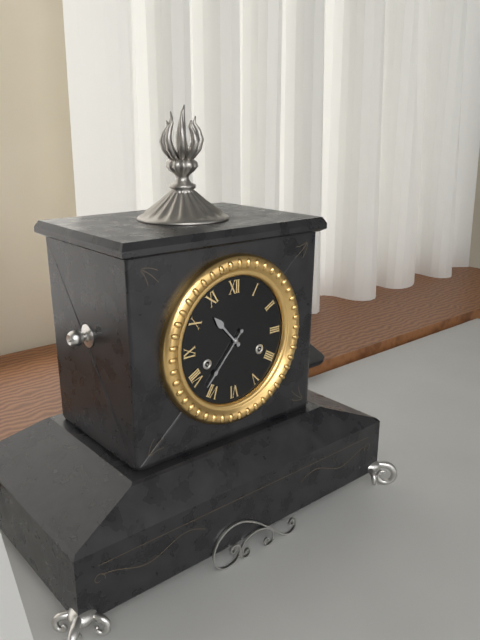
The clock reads {"hour": 10, "minute": 37}
